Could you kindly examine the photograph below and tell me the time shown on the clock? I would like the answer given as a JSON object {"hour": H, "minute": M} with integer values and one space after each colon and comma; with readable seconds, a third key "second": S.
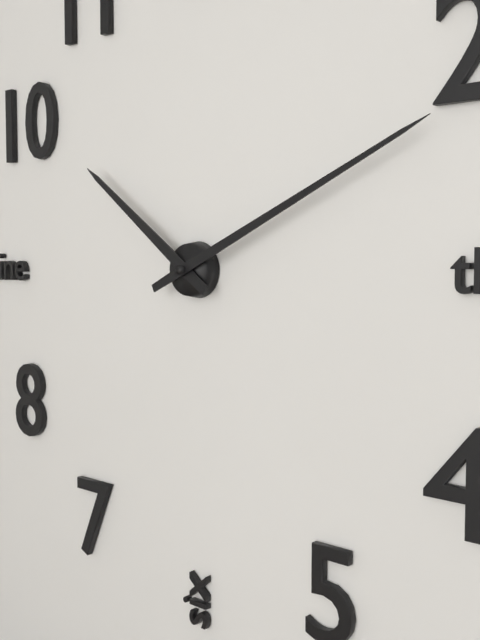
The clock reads {"hour": 10, "minute": 11}
